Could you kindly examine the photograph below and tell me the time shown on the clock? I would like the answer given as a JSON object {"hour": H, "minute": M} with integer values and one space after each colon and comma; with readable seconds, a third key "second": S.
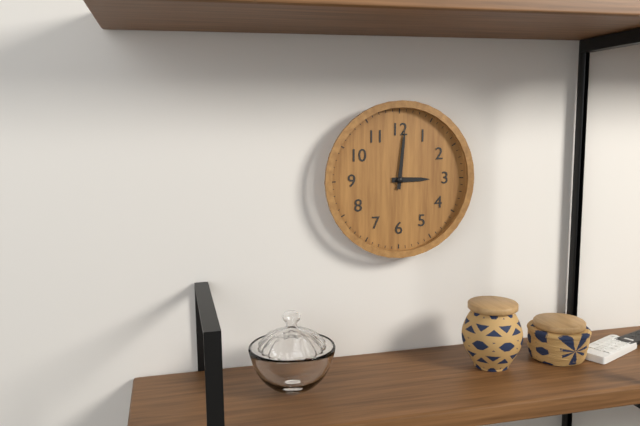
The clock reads {"hour": 3, "minute": 1}
